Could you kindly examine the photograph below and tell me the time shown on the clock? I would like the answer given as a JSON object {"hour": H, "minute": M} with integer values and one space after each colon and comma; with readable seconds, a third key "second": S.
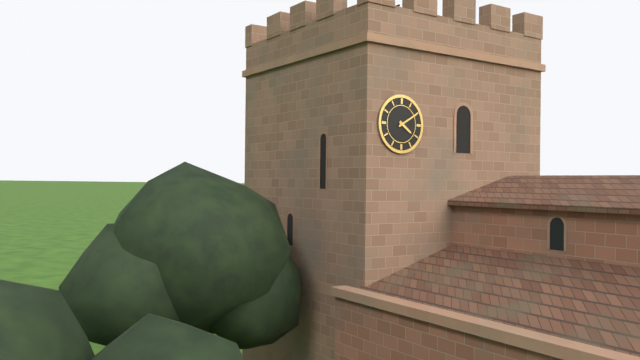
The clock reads {"hour": 4, "minute": 10}
